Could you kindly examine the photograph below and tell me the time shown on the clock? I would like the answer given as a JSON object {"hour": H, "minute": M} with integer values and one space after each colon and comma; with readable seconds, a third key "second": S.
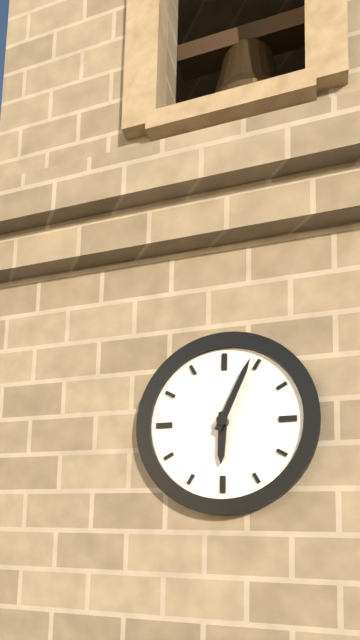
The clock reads {"hour": 6, "minute": 4}
